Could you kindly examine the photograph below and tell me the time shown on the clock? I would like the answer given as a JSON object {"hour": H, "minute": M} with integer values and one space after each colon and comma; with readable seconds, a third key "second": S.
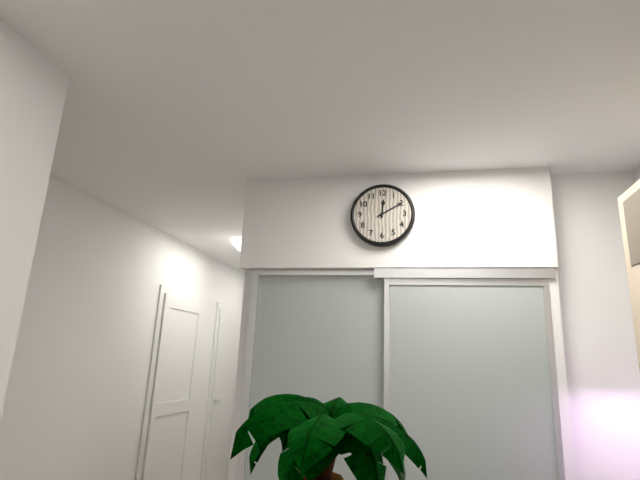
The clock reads {"hour": 12, "minute": 10}
